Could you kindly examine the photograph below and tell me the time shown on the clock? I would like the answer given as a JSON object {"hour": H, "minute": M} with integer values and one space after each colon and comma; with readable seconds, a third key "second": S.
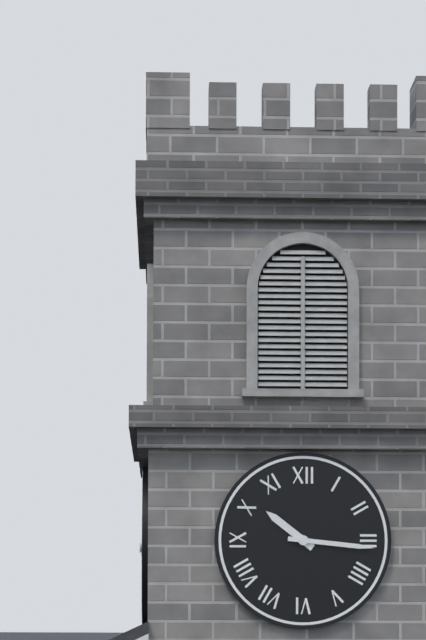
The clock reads {"hour": 10, "minute": 16}
